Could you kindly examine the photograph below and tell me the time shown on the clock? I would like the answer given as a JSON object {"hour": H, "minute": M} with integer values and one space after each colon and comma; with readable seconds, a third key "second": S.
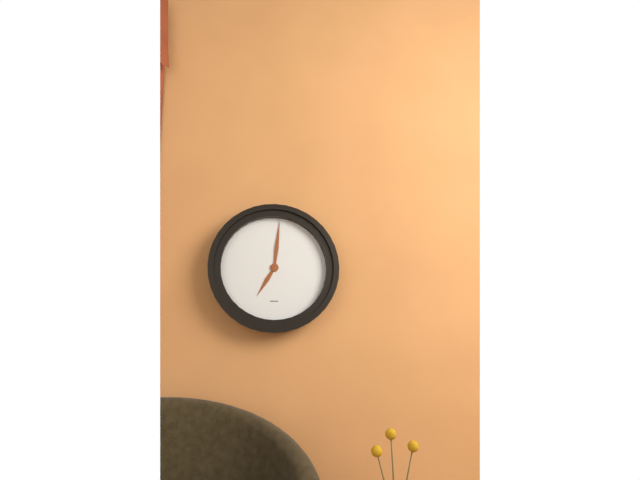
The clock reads {"hour": 7, "minute": 1}
